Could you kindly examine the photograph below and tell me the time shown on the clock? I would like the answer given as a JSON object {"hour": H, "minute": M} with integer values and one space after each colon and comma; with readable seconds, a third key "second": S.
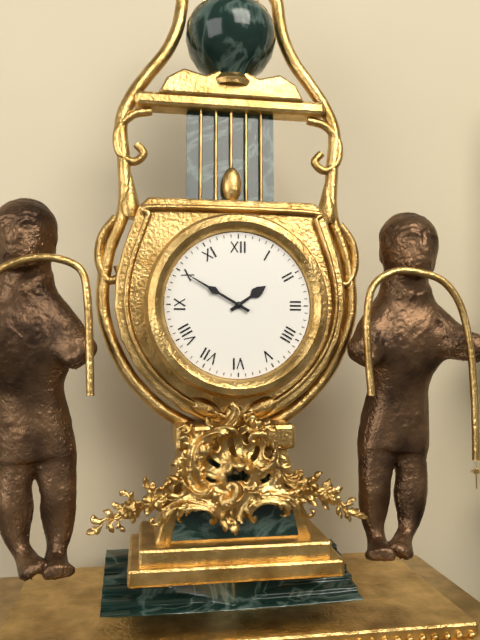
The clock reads {"hour": 1, "minute": 50}
